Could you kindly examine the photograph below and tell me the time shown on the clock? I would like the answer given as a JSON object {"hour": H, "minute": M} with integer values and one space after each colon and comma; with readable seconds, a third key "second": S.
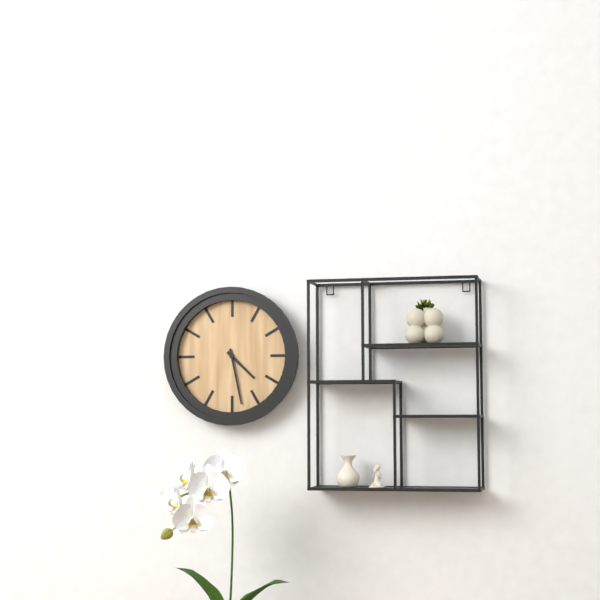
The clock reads {"hour": 4, "minute": 28}
